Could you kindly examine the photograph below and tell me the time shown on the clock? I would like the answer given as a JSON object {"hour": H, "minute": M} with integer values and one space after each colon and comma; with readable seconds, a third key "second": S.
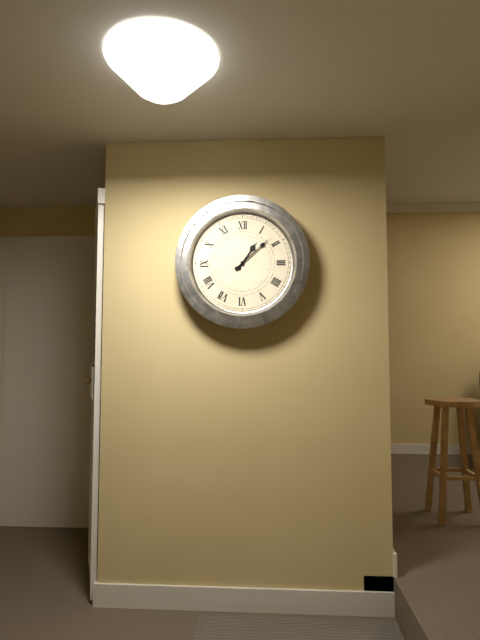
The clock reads {"hour": 1, "minute": 8}
